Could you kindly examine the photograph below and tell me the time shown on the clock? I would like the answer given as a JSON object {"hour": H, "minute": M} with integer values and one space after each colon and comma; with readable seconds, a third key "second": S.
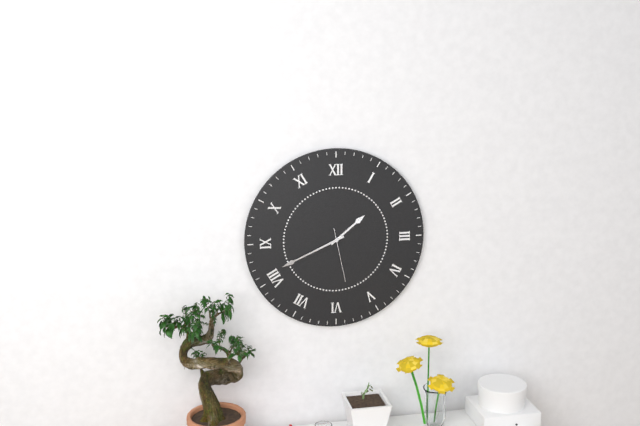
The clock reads {"hour": 1, "minute": 41, "second": 28}
